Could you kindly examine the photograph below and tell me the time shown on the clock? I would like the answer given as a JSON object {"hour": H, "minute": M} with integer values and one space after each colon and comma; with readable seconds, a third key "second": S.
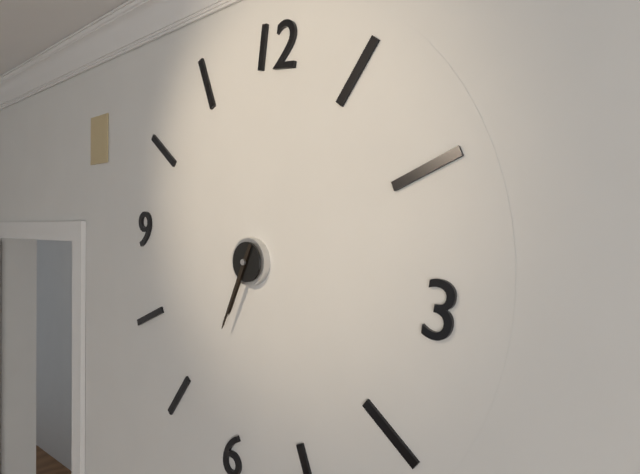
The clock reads {"hour": 6, "minute": 33}
